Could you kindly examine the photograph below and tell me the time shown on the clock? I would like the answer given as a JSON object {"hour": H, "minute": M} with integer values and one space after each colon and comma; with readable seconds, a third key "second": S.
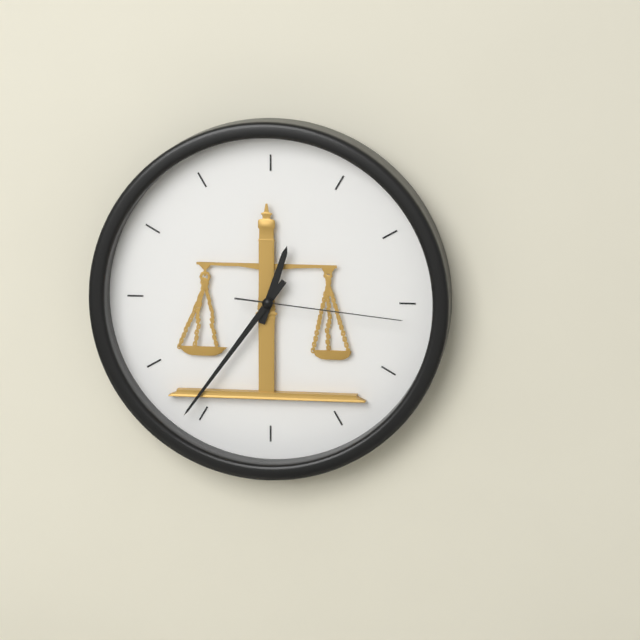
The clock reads {"hour": 12, "minute": 36, "second": 16}
